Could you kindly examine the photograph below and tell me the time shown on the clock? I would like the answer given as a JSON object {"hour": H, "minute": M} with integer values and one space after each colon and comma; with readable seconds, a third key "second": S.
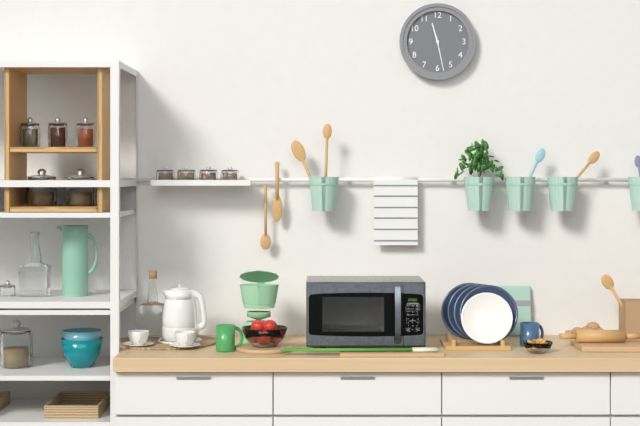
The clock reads {"hour": 11, "minute": 28}
